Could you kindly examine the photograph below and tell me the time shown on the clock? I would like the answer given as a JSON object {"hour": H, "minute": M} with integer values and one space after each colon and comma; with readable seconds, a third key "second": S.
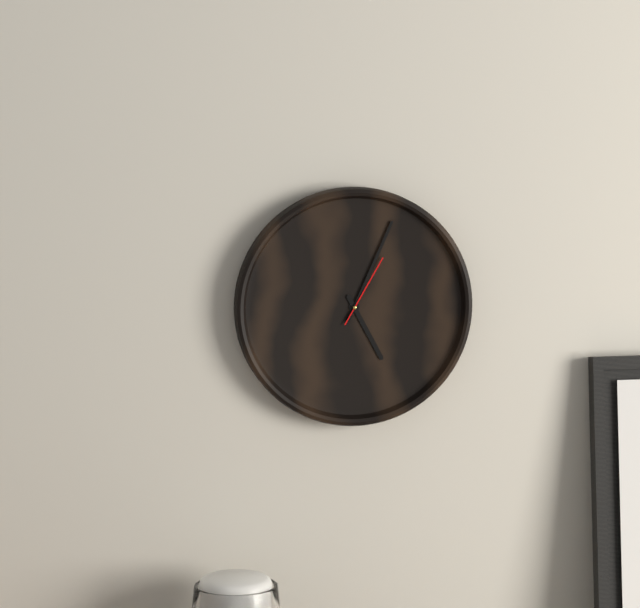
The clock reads {"hour": 5, "minute": 4, "second": 5}
